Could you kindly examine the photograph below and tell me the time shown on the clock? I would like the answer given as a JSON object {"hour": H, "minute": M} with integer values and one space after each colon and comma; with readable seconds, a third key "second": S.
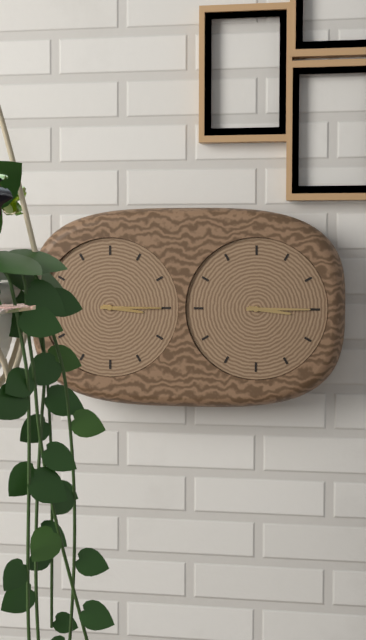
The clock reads {"hour": 3, "minute": 15}
